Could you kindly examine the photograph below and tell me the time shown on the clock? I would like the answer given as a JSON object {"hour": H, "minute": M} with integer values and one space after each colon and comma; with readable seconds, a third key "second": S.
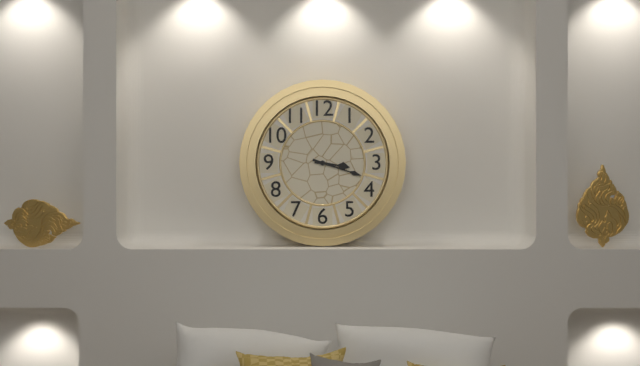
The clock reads {"hour": 3, "minute": 18}
